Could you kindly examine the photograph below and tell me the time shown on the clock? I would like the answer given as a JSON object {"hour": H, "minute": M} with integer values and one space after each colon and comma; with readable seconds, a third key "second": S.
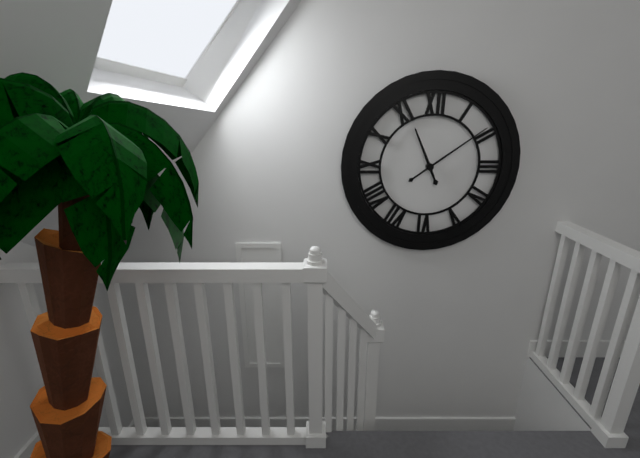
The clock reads {"hour": 11, "minute": 9}
